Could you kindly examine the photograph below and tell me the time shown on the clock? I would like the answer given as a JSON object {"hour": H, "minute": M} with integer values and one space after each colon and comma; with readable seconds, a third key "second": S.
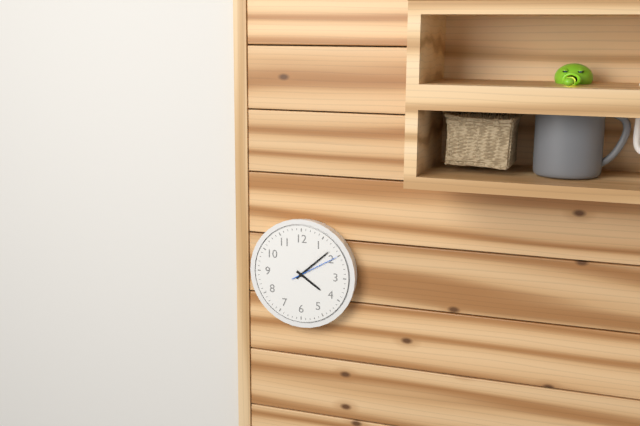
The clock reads {"hour": 4, "minute": 8, "second": 10}
